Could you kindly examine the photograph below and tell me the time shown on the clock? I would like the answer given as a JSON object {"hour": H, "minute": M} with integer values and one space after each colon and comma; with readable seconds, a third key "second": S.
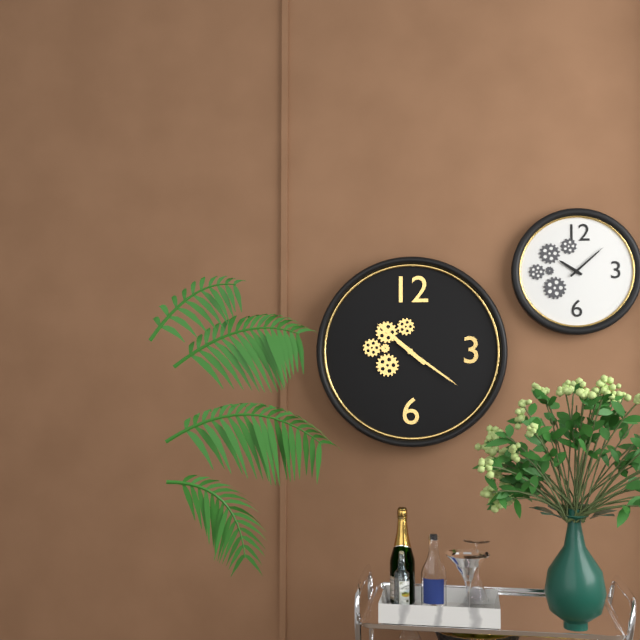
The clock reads {"hour": 10, "minute": 21}
